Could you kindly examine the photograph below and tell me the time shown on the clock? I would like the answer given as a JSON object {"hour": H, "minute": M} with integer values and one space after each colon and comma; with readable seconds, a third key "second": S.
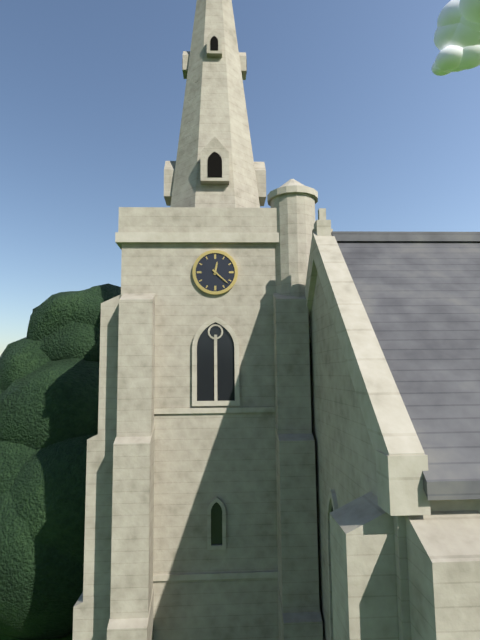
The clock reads {"hour": 12, "minute": 22}
